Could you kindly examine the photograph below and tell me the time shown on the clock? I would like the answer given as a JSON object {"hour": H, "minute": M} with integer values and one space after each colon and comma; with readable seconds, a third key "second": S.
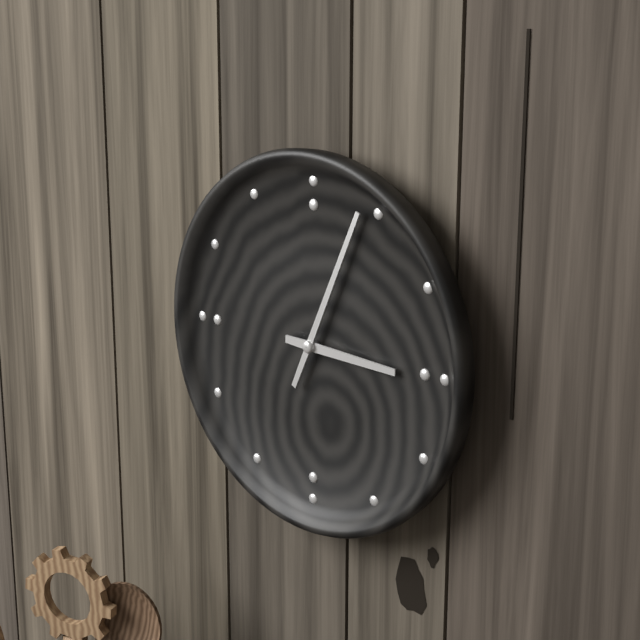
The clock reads {"hour": 3, "minute": 4}
